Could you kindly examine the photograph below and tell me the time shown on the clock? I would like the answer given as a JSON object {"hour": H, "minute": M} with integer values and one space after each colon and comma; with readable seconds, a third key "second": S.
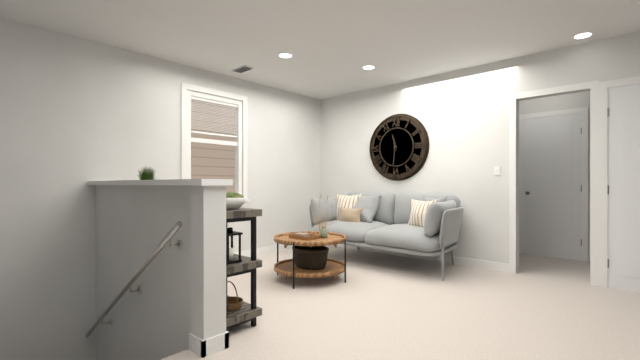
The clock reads {"hour": 11, "minute": 31}
